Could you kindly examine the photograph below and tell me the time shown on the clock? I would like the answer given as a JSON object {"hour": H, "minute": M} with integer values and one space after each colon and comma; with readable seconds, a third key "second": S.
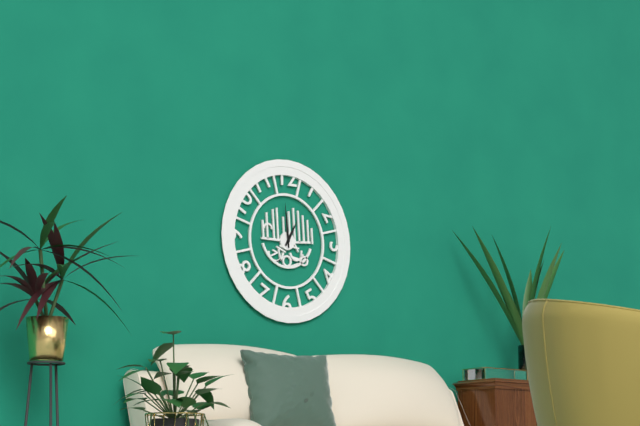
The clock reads {"hour": 12, "minute": 59}
